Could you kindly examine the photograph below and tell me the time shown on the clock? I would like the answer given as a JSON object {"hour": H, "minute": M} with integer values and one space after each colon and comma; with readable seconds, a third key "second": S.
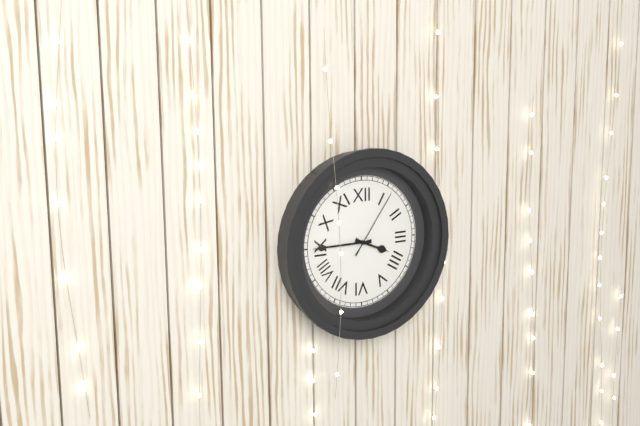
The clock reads {"hour": 3, "minute": 45, "second": 6}
